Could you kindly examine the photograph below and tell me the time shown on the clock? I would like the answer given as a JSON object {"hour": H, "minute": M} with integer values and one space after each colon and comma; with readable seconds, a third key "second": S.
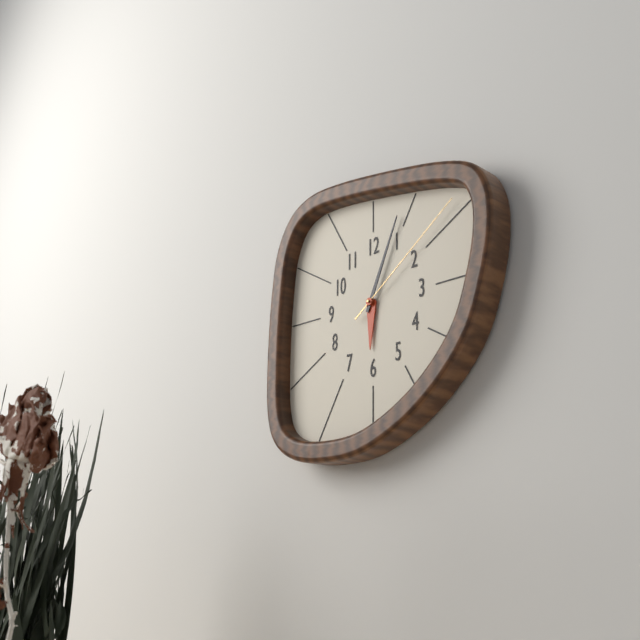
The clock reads {"hour": 6, "minute": 4, "second": 9}
